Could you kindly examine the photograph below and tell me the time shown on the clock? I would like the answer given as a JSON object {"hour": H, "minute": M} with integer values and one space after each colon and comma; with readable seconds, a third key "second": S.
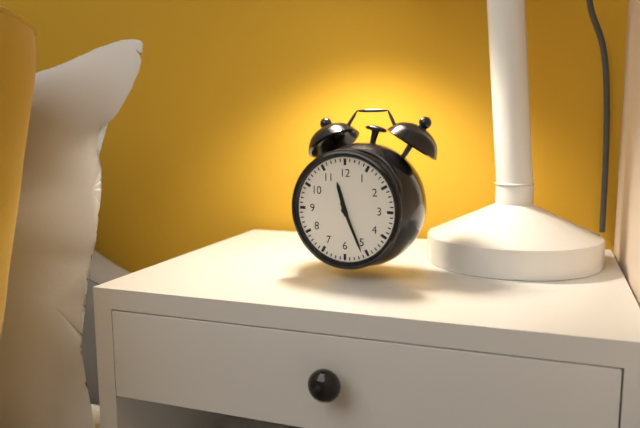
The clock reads {"hour": 11, "minute": 26}
